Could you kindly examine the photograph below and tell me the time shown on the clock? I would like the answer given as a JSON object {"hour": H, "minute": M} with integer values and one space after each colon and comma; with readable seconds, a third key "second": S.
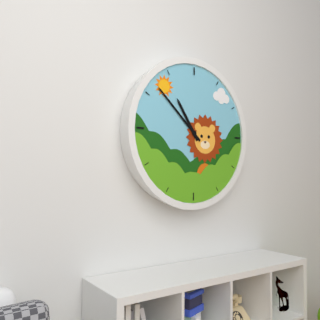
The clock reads {"hour": 10, "minute": 52}
